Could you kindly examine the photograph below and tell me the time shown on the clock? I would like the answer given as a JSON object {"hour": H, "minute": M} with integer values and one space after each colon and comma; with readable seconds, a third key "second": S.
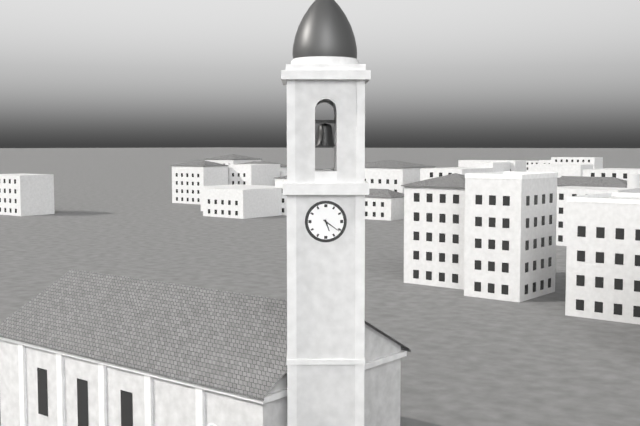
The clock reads {"hour": 5, "minute": 21}
